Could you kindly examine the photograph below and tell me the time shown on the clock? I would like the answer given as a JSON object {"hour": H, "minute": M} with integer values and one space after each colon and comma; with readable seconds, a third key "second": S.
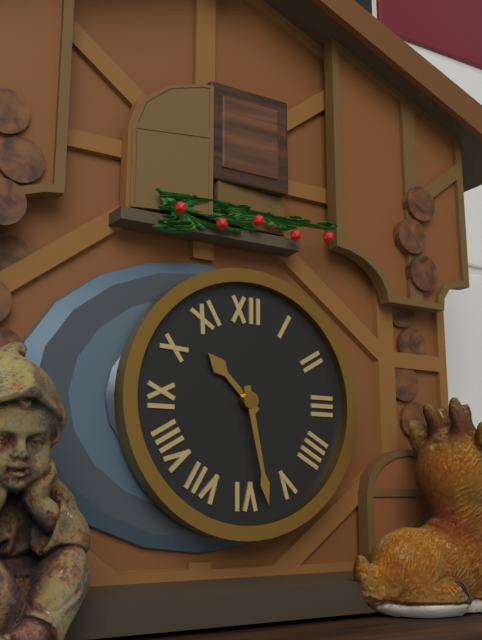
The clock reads {"hour": 10, "minute": 28}
